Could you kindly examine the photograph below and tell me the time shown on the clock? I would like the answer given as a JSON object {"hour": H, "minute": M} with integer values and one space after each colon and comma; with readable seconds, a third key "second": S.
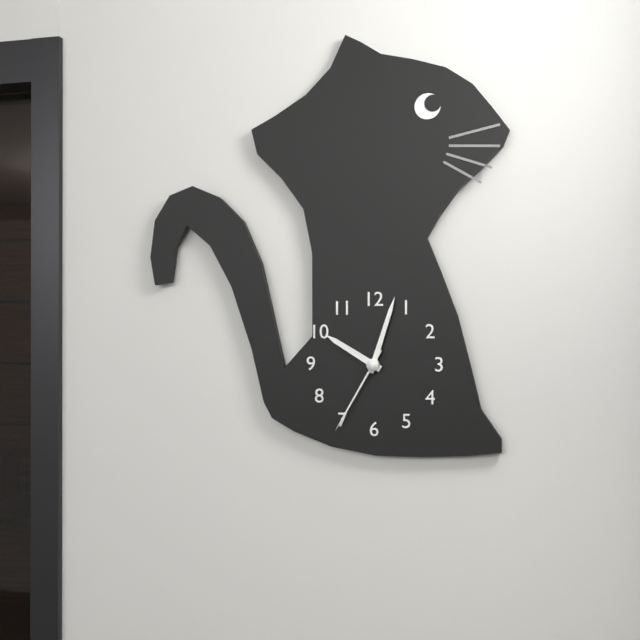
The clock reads {"hour": 10, "minute": 3, "second": 35}
